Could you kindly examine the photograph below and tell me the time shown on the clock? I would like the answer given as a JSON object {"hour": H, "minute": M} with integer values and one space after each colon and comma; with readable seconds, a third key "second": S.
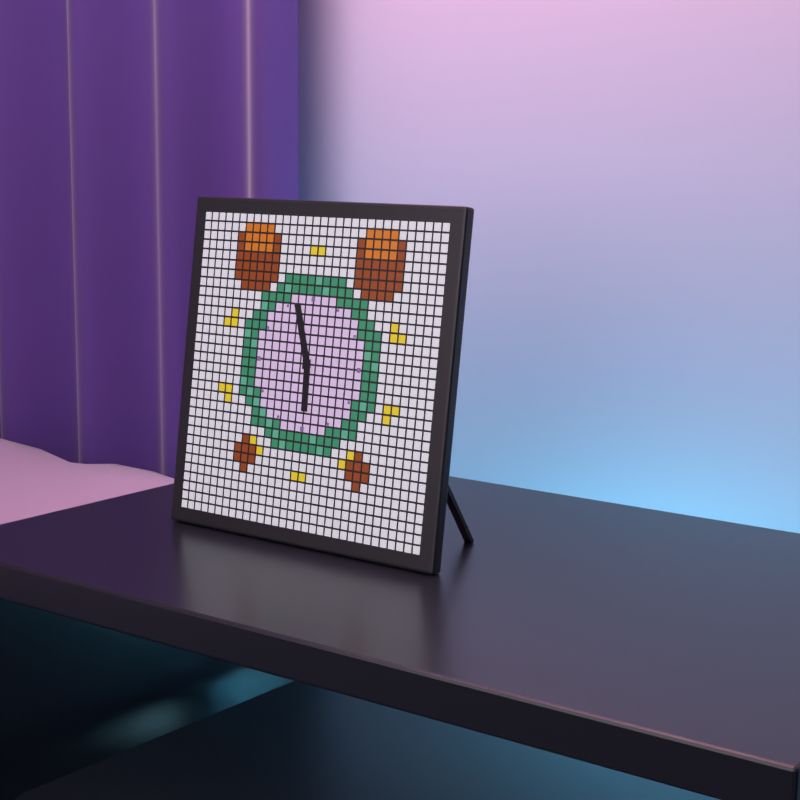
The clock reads {"hour": 5, "minute": 57}
